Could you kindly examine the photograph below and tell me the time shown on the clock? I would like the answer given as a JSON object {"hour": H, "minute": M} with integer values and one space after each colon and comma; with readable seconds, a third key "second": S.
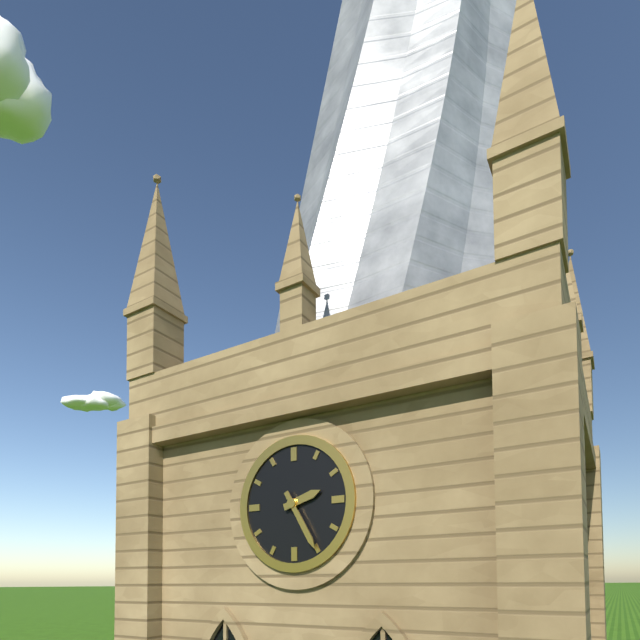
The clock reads {"hour": 2, "minute": 25}
